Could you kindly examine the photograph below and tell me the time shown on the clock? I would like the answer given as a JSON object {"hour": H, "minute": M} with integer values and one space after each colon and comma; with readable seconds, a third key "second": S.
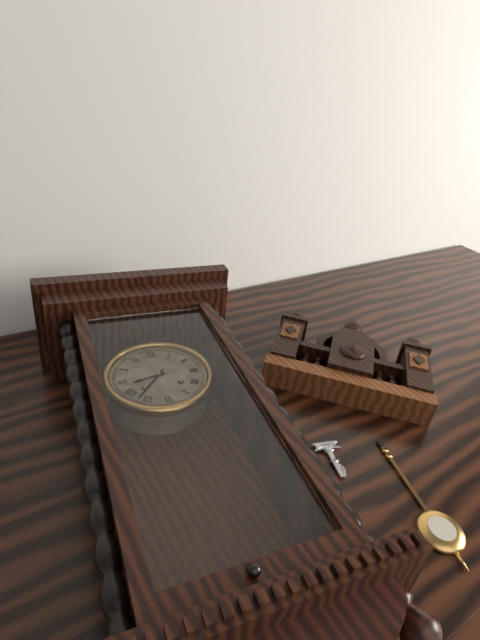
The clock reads {"hour": 8, "minute": 37}
